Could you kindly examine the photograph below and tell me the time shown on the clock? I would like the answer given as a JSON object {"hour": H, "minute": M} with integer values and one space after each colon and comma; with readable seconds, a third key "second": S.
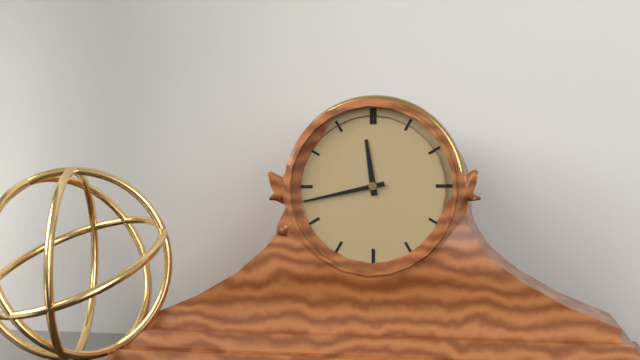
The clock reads {"hour": 11, "minute": 43}
